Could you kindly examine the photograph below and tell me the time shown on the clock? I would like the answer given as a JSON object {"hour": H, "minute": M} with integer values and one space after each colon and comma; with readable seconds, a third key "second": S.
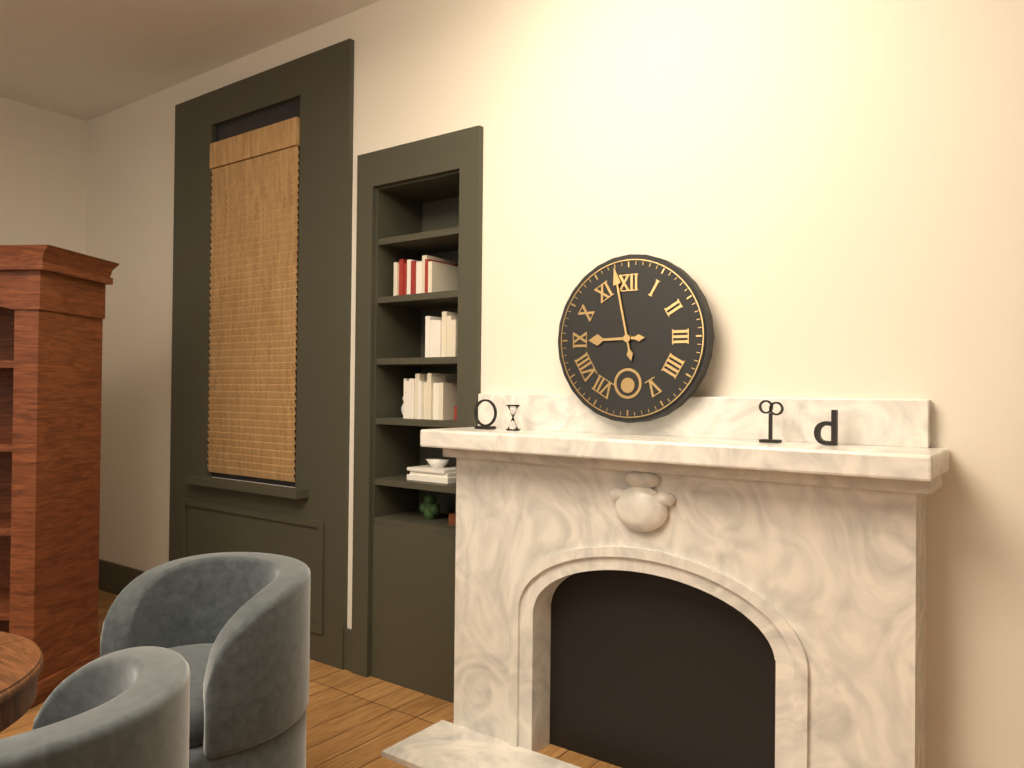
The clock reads {"hour": 8, "minute": 58}
